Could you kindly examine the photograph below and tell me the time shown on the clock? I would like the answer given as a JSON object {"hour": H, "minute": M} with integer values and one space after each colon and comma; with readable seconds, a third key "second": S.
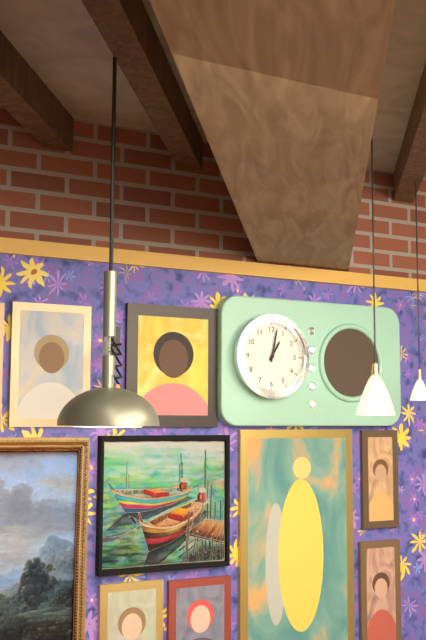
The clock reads {"hour": 1, "minute": 2}
